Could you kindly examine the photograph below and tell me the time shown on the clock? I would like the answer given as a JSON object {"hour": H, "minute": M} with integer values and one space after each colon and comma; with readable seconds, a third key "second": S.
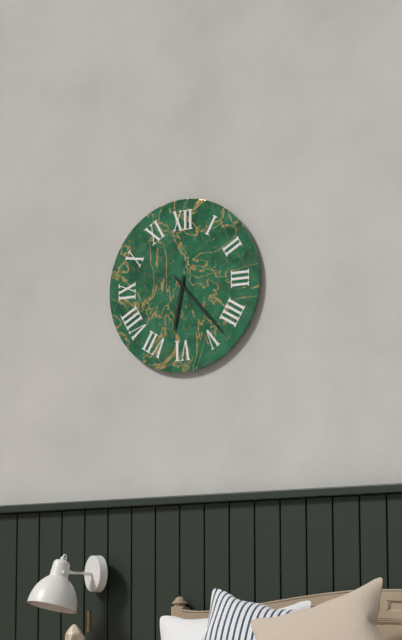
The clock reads {"hour": 6, "minute": 23}
